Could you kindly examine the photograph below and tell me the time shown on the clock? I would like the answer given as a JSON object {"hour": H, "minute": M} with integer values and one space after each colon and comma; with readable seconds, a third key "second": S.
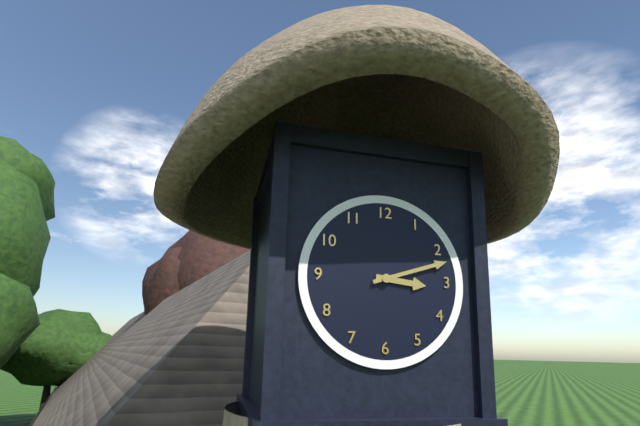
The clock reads {"hour": 3, "minute": 12}
